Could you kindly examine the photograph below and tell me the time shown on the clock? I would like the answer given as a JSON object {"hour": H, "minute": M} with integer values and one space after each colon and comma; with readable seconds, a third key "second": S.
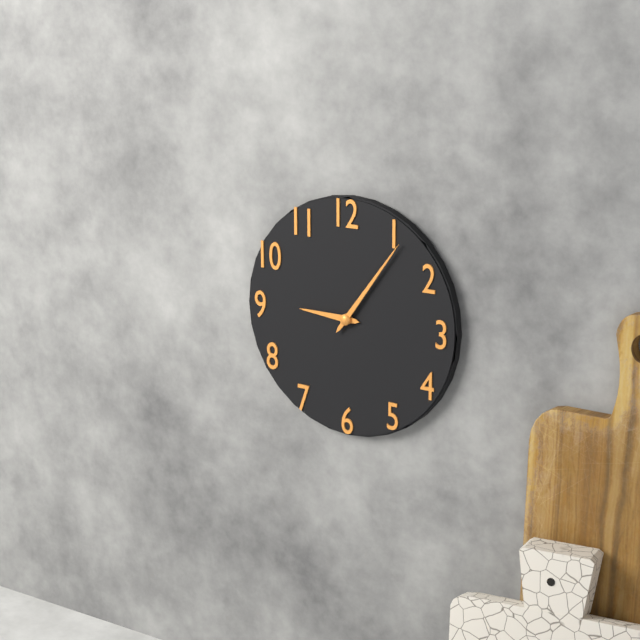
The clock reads {"hour": 9, "minute": 6}
